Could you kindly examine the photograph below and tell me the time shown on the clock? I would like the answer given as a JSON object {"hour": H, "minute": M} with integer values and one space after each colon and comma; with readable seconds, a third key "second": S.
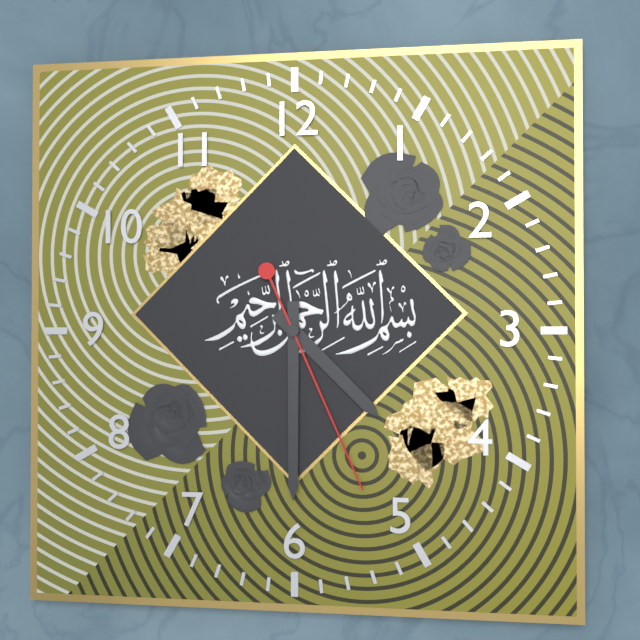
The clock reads {"hour": 4, "minute": 30, "second": 26}
